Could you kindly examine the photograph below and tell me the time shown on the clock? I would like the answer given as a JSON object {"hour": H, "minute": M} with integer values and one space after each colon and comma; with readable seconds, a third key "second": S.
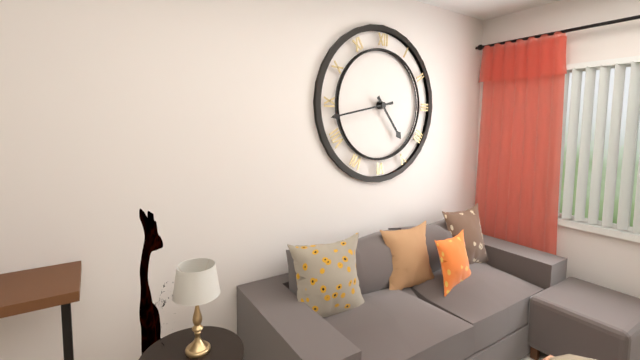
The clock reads {"hour": 4, "minute": 43}
